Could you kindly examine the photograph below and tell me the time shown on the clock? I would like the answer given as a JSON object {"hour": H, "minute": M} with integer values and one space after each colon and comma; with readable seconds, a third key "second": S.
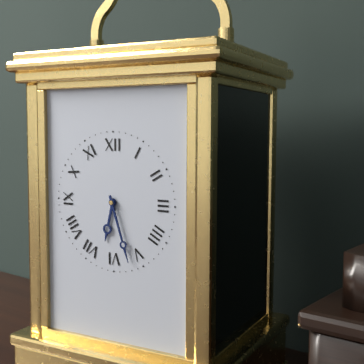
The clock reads {"hour": 6, "minute": 27}
